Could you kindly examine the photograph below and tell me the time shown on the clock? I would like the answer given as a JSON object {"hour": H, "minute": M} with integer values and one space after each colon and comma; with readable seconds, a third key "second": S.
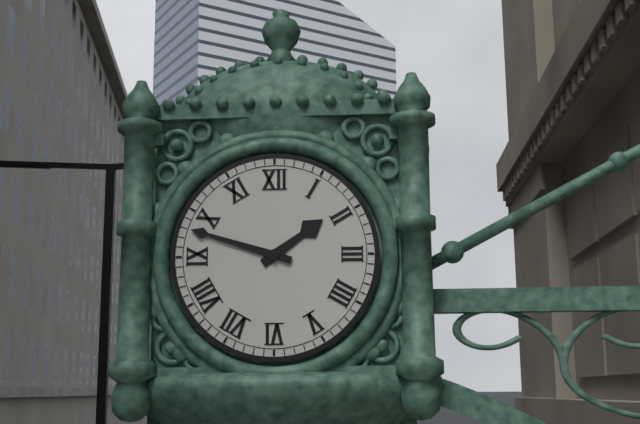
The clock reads {"hour": 1, "minute": 48}
